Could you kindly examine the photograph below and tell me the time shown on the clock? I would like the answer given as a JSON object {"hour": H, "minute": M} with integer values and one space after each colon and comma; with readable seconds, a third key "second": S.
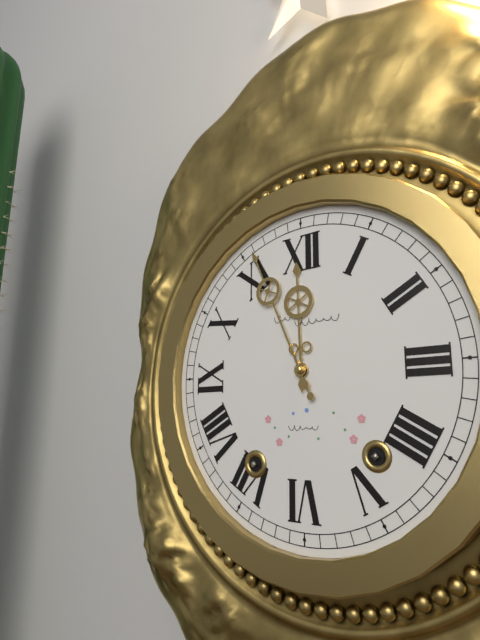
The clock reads {"hour": 11, "minute": 56}
